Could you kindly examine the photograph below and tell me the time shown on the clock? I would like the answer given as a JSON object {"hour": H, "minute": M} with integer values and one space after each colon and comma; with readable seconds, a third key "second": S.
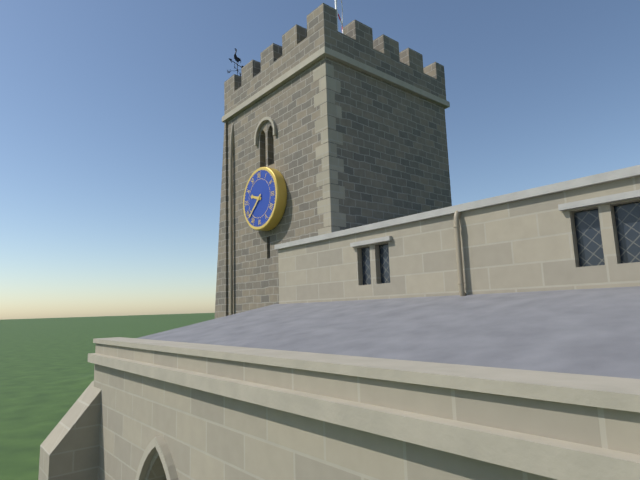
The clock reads {"hour": 9, "minute": 38}
